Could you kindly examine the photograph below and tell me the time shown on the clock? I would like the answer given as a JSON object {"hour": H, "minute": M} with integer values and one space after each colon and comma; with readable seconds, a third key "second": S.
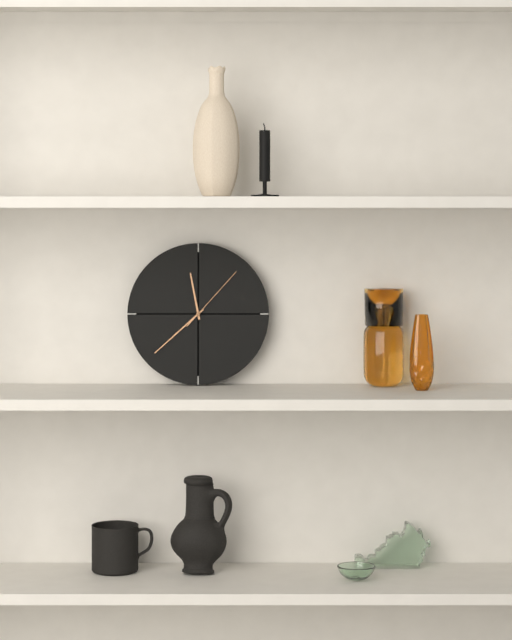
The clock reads {"hour": 11, "minute": 38, "second": 7}
